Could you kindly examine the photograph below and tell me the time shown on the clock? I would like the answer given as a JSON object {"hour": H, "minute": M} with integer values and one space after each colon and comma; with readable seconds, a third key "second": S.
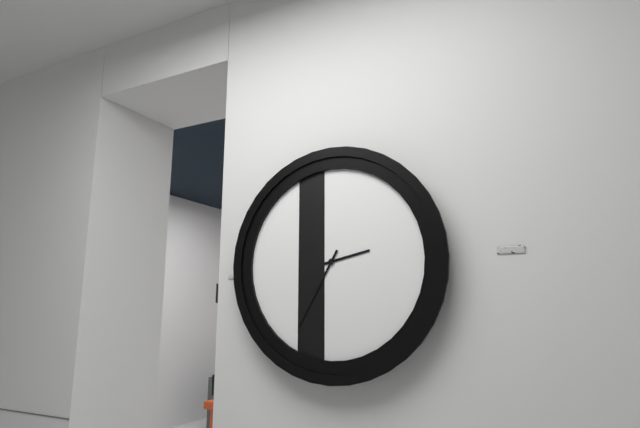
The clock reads {"hour": 2, "minute": 35}
